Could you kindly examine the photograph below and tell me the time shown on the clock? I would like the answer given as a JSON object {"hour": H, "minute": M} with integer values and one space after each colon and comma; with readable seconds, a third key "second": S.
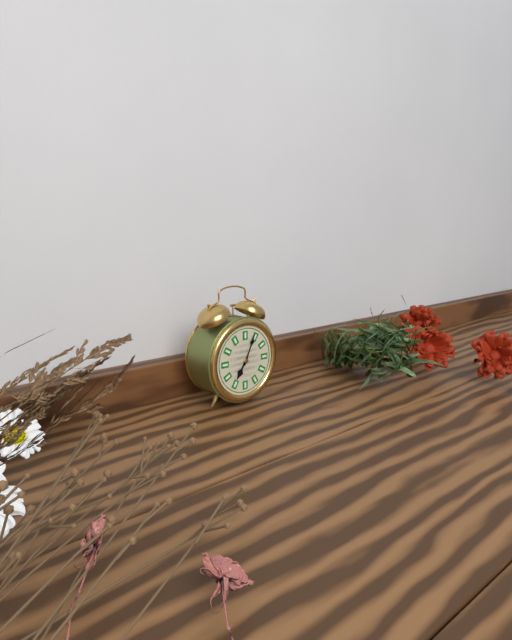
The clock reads {"hour": 7, "minute": 4}
